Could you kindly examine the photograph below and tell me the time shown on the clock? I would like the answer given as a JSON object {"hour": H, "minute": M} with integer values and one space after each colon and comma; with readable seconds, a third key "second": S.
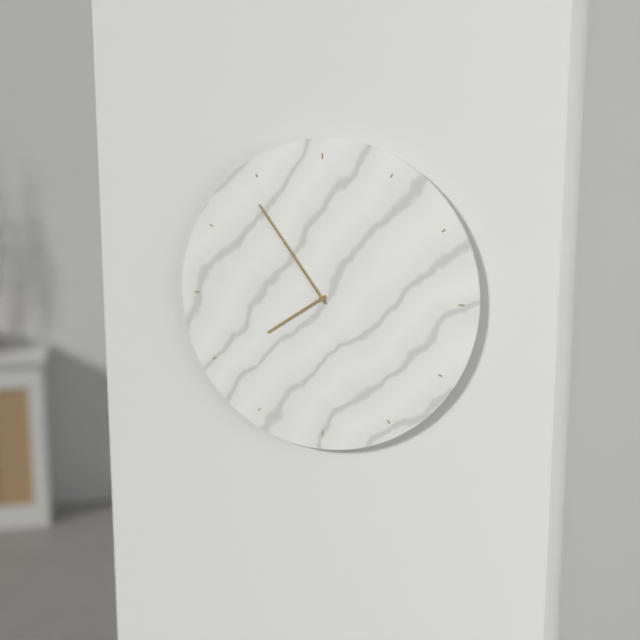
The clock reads {"hour": 7, "minute": 54}
